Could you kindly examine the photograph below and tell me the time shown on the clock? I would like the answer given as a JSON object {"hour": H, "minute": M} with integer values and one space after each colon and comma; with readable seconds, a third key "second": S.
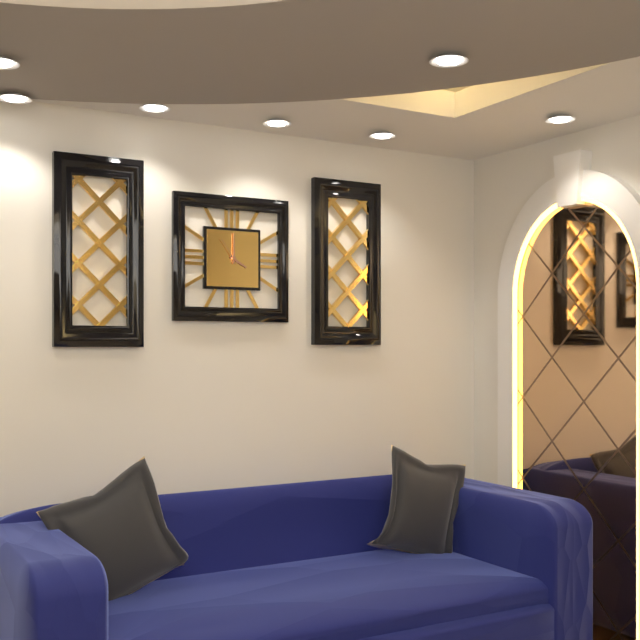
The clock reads {"hour": 4, "minute": 0}
